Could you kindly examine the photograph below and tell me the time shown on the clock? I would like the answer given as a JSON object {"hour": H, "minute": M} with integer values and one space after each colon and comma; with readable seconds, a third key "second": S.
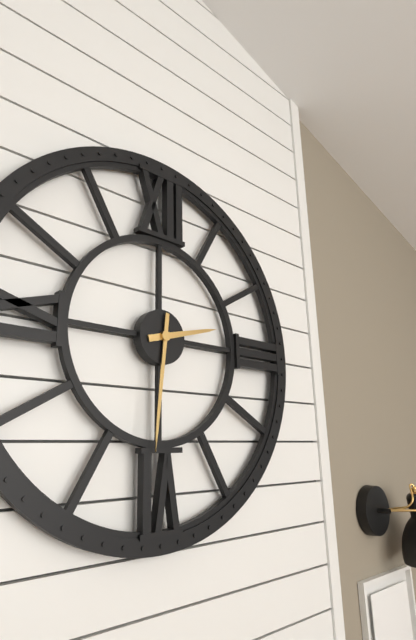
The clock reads {"hour": 2, "minute": 31}
